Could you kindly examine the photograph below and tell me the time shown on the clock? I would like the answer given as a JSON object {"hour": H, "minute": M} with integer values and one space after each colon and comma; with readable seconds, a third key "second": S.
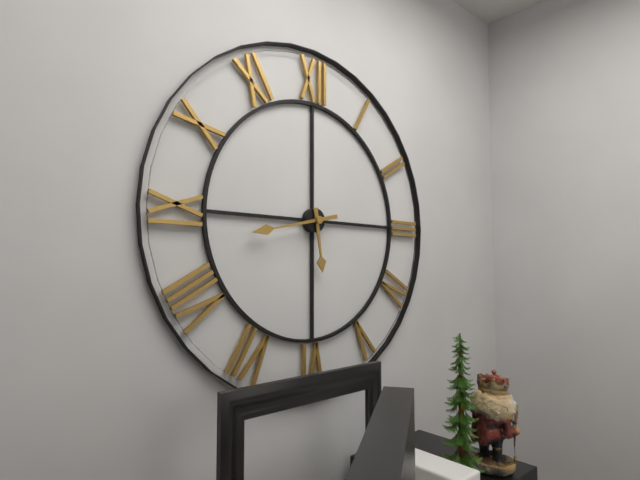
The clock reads {"hour": 5, "minute": 43}
